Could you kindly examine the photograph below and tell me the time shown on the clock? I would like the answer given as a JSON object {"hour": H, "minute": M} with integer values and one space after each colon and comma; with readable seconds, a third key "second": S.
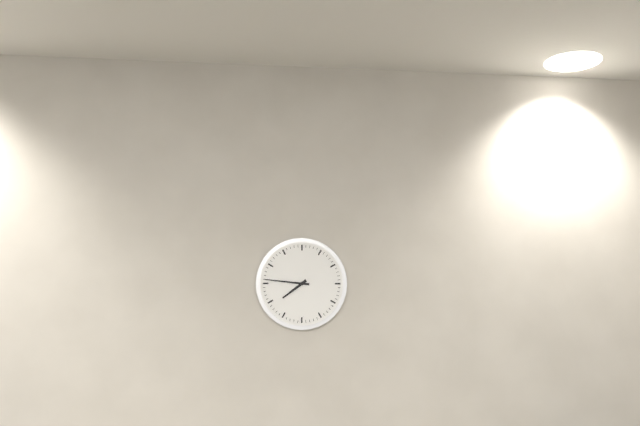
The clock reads {"hour": 7, "minute": 46}
